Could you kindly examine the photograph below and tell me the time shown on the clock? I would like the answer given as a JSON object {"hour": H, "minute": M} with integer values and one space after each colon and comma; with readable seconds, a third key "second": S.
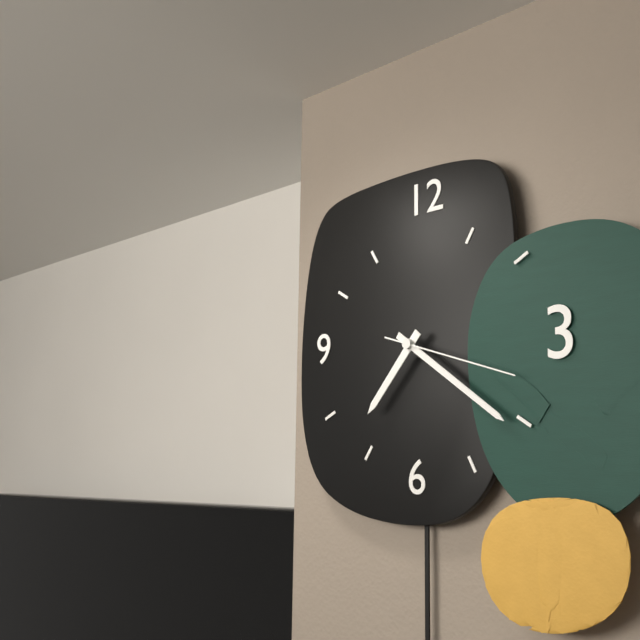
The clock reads {"hour": 7, "minute": 21, "second": 18}
